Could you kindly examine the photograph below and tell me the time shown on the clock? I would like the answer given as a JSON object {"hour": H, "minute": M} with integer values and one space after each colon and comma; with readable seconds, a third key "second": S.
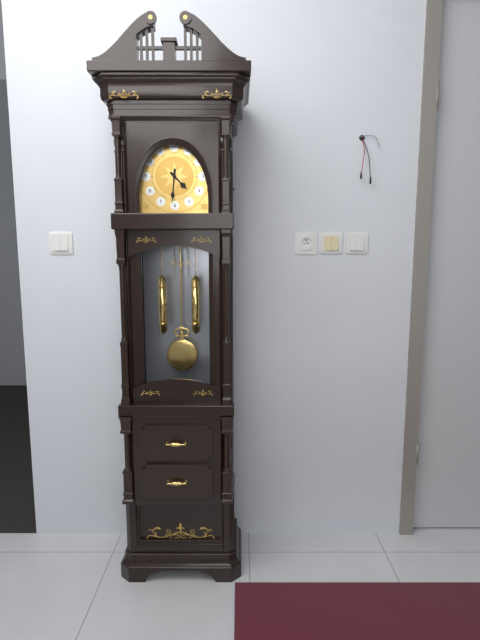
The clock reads {"hour": 4, "minute": 31}
